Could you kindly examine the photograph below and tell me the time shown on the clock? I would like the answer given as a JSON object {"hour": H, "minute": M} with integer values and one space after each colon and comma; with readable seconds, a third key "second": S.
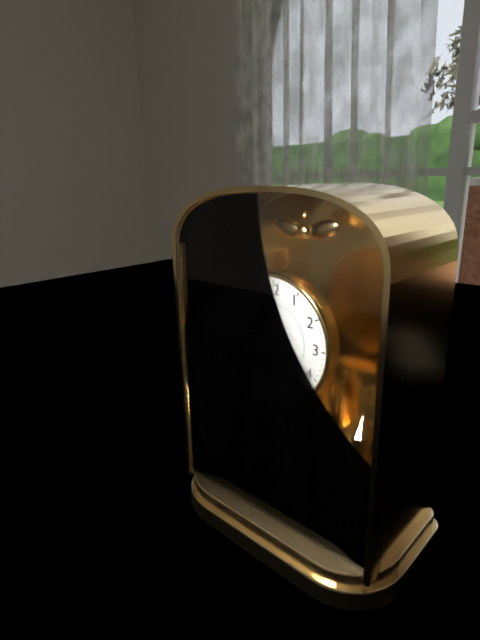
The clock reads {"hour": 7, "minute": 21, "second": 45}
